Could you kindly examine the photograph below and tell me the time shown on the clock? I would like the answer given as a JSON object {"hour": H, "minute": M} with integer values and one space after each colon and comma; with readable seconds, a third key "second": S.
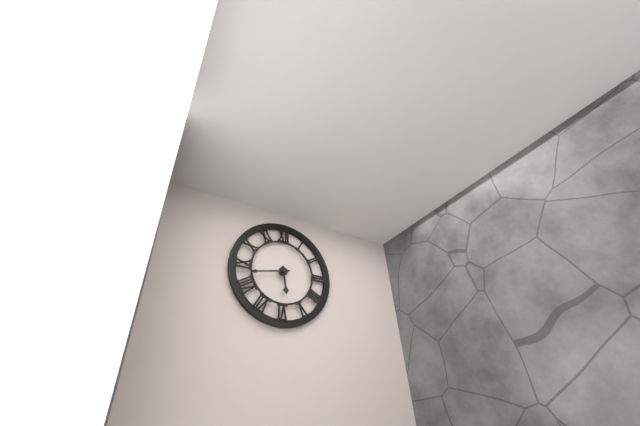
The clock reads {"hour": 5, "minute": 43}
